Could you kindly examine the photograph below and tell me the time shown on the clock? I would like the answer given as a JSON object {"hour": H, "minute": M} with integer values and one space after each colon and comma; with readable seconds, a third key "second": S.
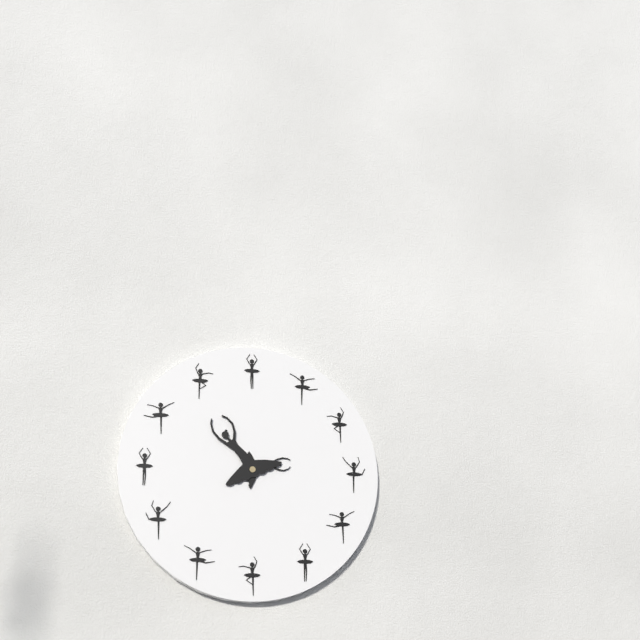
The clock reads {"hour": 2, "minute": 56}
